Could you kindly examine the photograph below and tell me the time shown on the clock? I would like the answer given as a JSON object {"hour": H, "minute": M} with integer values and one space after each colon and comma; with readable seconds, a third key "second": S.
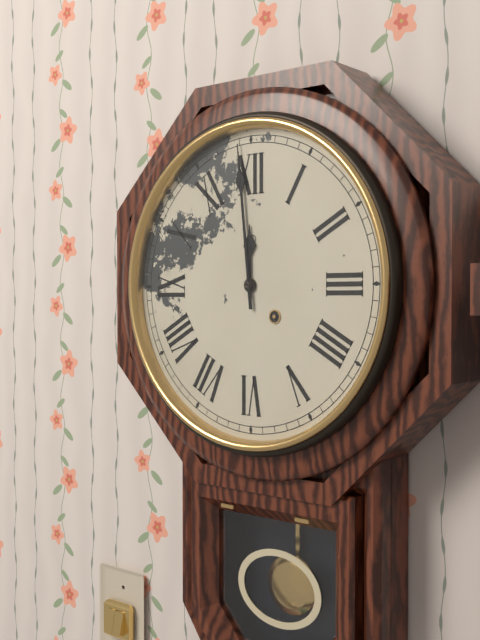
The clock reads {"hour": 11, "minute": 59}
